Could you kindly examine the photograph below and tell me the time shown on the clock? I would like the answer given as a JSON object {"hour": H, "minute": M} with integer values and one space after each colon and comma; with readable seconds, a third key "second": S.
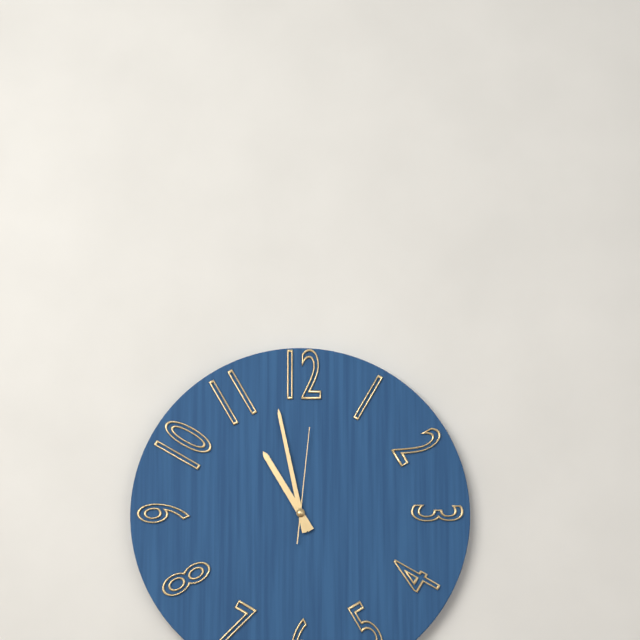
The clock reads {"hour": 10, "minute": 58, "second": 1}
